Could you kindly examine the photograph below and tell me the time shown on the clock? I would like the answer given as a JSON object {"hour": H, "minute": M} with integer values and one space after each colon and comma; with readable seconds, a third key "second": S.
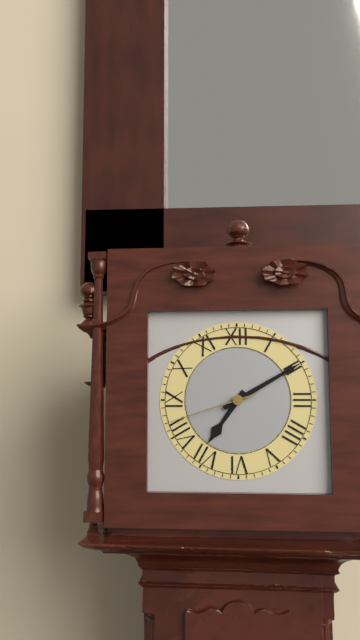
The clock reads {"hour": 7, "minute": 10, "second": 42}
